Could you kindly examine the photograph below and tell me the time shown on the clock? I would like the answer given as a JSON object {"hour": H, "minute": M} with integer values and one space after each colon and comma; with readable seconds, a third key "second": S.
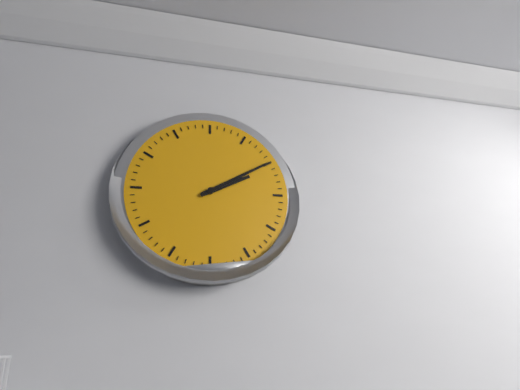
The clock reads {"hour": 2, "minute": 10}
